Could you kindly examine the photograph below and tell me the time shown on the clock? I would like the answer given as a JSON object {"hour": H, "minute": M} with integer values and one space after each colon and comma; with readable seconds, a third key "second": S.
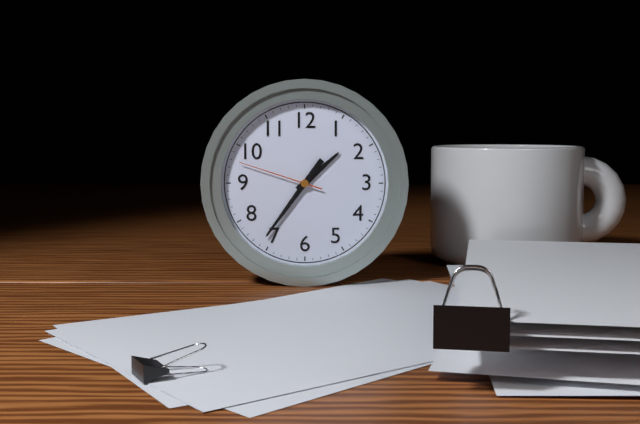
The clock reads {"hour": 1, "minute": 36, "second": 48}
